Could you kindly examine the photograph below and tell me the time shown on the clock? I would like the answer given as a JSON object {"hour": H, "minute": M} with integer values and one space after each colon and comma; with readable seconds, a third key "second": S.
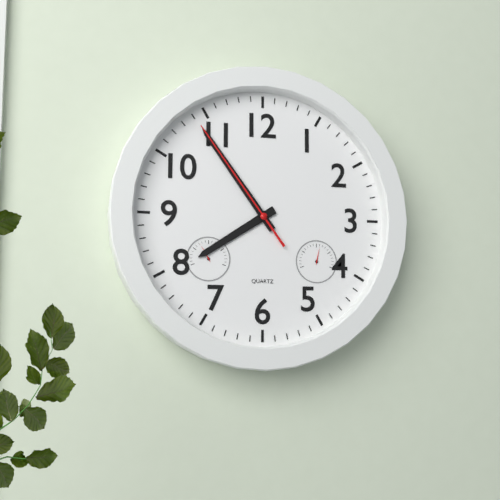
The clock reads {"hour": 7, "minute": 54, "second": 54}
